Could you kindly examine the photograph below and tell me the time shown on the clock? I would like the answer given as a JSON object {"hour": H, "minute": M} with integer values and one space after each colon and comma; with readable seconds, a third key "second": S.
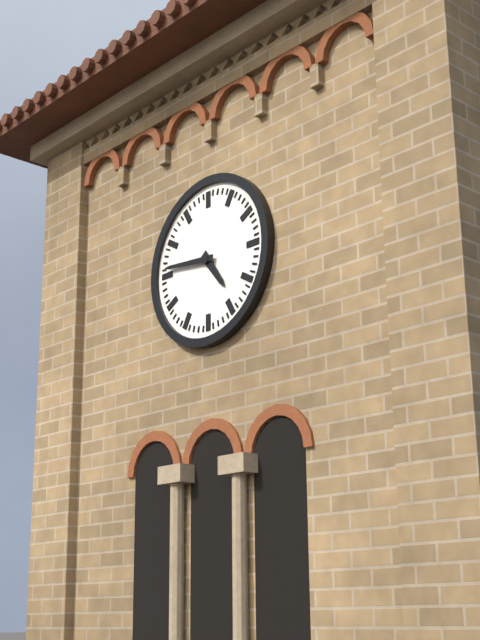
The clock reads {"hour": 4, "minute": 46}
